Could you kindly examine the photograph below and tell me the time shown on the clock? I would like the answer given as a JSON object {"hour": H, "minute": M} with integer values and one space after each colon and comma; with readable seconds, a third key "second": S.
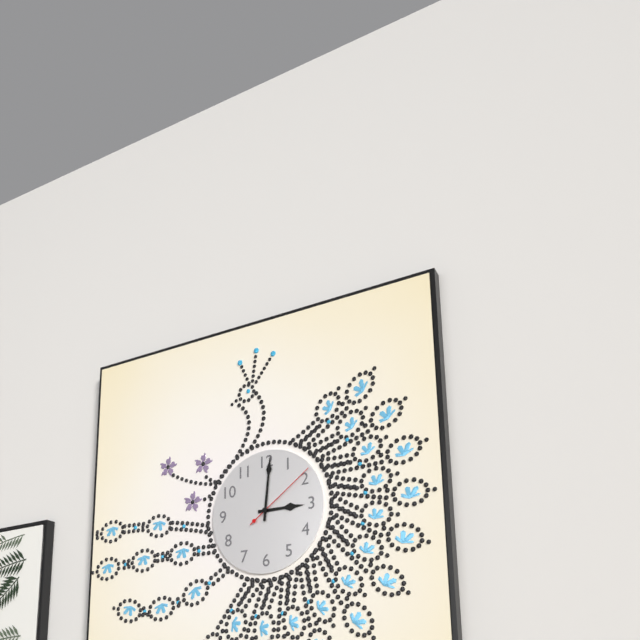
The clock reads {"hour": 3, "minute": 1, "second": 9}
